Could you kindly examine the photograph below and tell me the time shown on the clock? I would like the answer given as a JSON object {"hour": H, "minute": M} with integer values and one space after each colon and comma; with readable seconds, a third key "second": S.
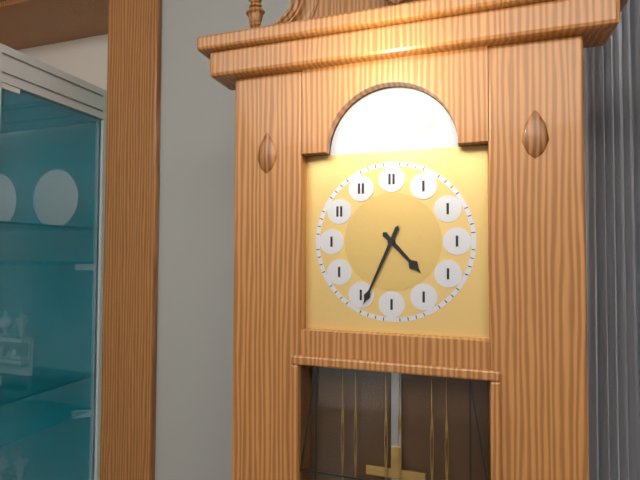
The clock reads {"hour": 4, "minute": 34}
